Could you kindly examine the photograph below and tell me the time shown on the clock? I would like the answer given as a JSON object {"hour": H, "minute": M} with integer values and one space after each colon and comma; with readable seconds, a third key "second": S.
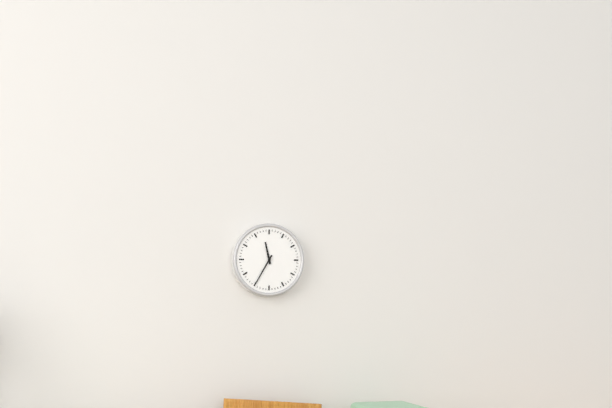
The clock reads {"hour": 11, "minute": 35}
